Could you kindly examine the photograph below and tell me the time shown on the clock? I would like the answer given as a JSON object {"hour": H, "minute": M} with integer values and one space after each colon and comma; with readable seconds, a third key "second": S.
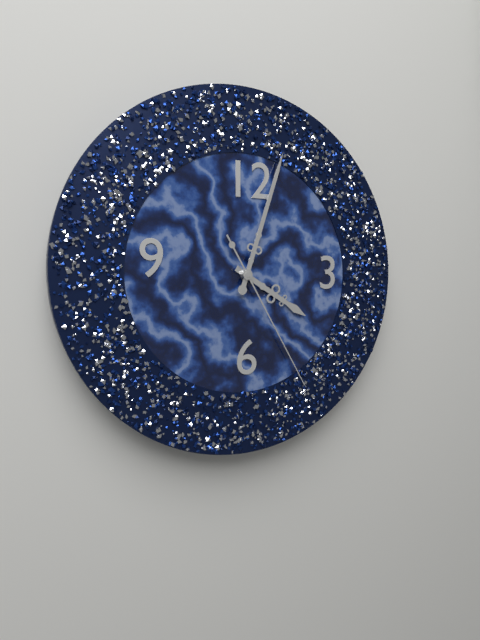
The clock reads {"hour": 4, "minute": 3, "second": 25}
